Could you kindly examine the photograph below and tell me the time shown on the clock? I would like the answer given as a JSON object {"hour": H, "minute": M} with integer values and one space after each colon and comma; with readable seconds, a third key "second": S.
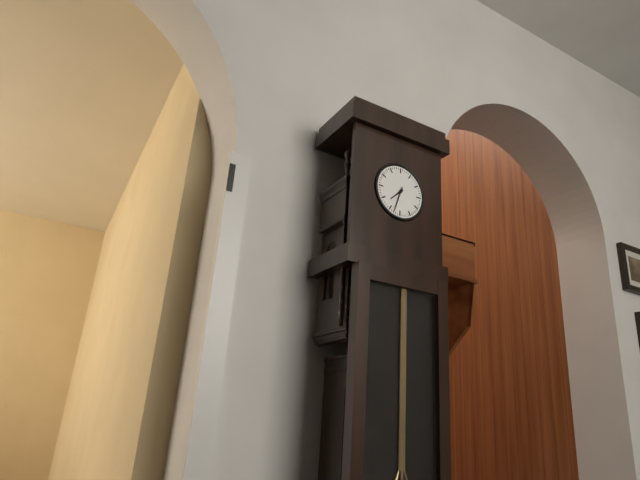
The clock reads {"hour": 7, "minute": 33}
